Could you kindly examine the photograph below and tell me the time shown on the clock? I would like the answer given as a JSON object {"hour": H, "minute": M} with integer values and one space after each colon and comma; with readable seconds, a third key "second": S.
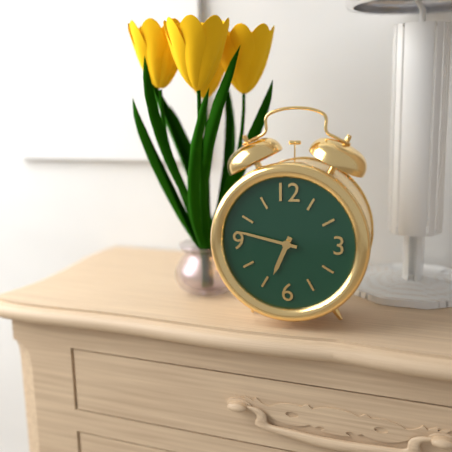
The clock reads {"hour": 6, "minute": 47}
